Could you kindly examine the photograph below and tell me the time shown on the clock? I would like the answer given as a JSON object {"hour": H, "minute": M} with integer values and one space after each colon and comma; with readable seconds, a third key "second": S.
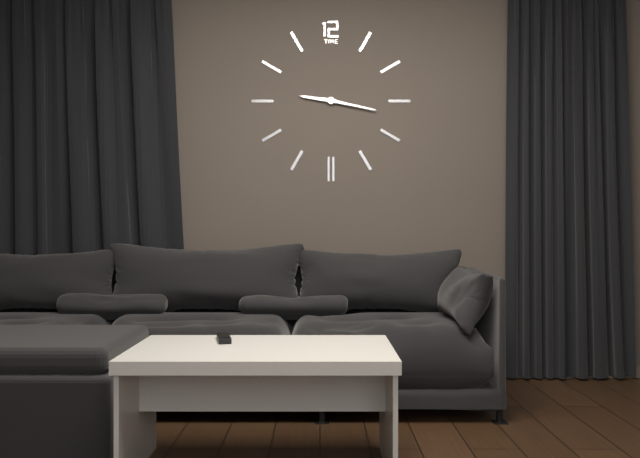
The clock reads {"hour": 9, "minute": 17}
